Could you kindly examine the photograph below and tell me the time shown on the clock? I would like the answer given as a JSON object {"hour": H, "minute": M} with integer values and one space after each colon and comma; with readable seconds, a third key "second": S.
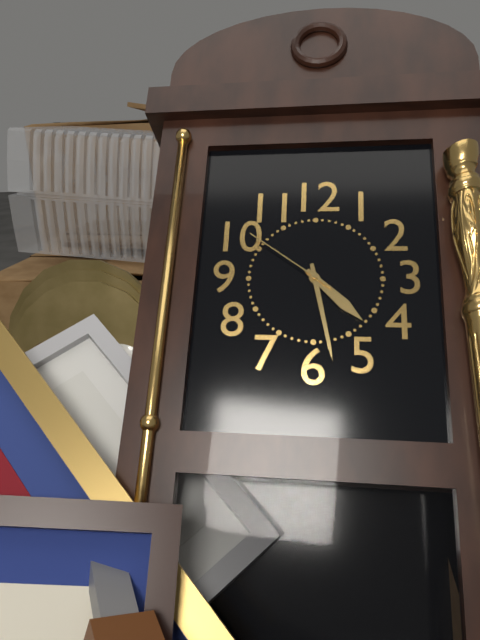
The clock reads {"hour": 4, "minute": 28, "second": 51}
